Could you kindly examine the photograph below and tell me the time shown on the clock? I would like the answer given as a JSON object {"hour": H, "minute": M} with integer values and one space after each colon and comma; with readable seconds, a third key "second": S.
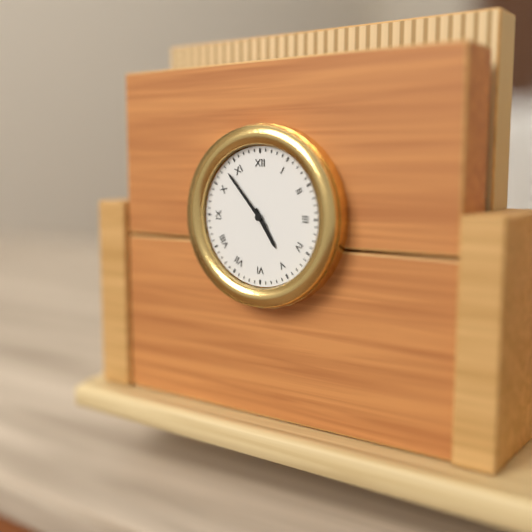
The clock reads {"hour": 4, "minute": 53}
